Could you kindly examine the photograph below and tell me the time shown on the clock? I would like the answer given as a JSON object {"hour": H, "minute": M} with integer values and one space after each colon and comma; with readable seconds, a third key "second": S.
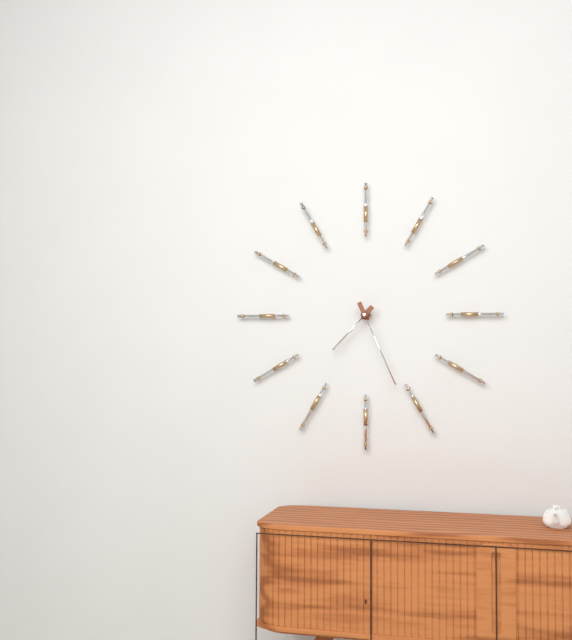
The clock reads {"hour": 7, "minute": 26}
